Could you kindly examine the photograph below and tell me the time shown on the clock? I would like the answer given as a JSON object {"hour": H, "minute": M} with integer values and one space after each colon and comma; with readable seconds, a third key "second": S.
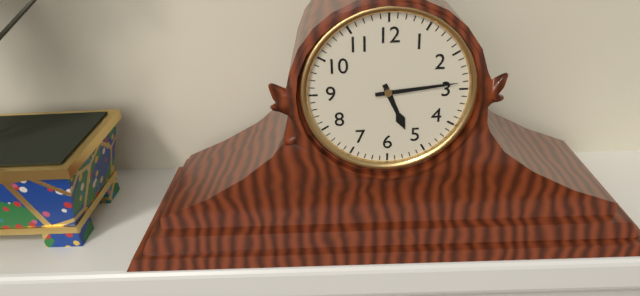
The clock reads {"hour": 5, "minute": 14}
